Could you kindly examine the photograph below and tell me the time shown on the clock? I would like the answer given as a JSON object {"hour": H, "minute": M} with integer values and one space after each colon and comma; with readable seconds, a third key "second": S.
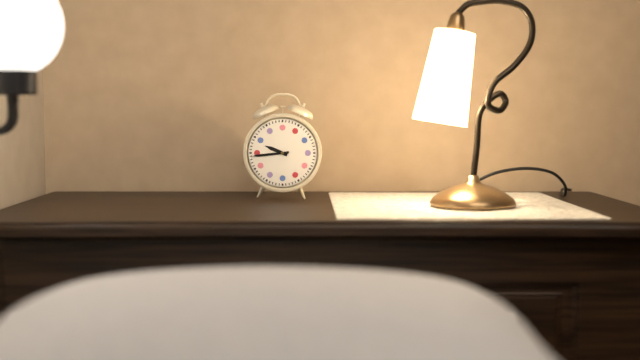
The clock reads {"hour": 9, "minute": 44}
